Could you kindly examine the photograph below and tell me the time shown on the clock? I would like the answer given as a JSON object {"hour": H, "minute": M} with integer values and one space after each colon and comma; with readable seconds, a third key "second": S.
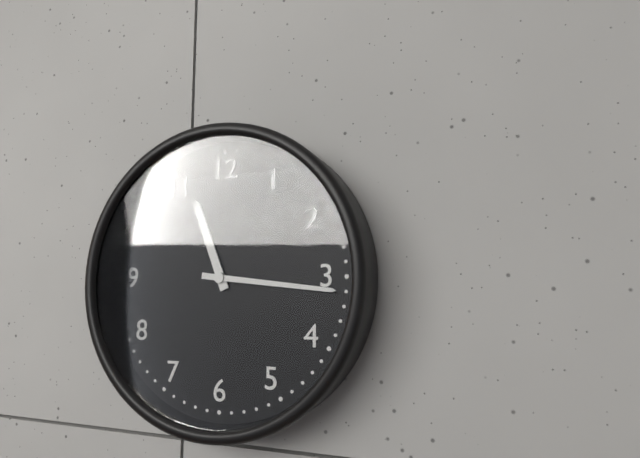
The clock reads {"hour": 11, "minute": 16}
